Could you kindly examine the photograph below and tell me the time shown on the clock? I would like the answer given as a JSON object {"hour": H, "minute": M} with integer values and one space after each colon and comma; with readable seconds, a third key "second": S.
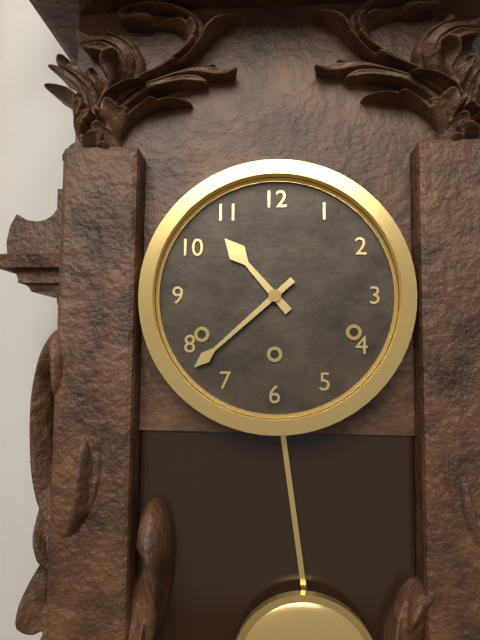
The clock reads {"hour": 10, "minute": 38}
